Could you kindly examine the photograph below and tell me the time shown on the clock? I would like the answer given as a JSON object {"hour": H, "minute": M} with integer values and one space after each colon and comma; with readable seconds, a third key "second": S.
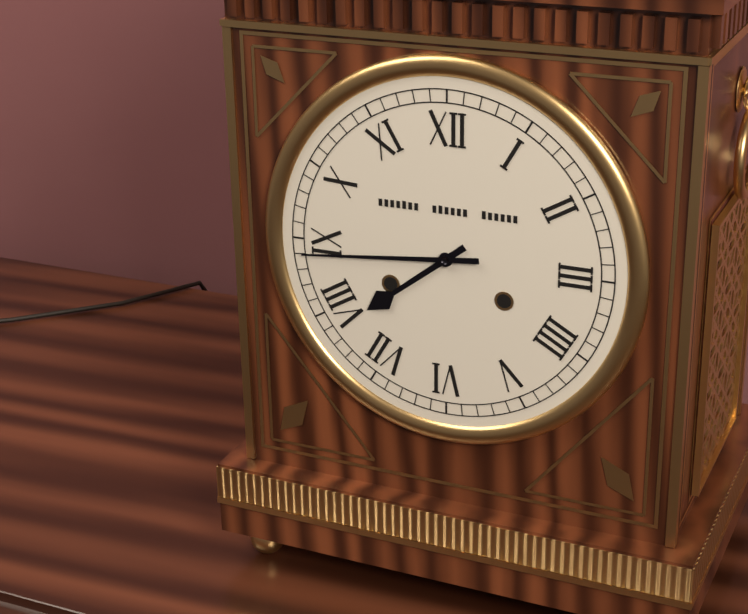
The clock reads {"hour": 7, "minute": 44}
